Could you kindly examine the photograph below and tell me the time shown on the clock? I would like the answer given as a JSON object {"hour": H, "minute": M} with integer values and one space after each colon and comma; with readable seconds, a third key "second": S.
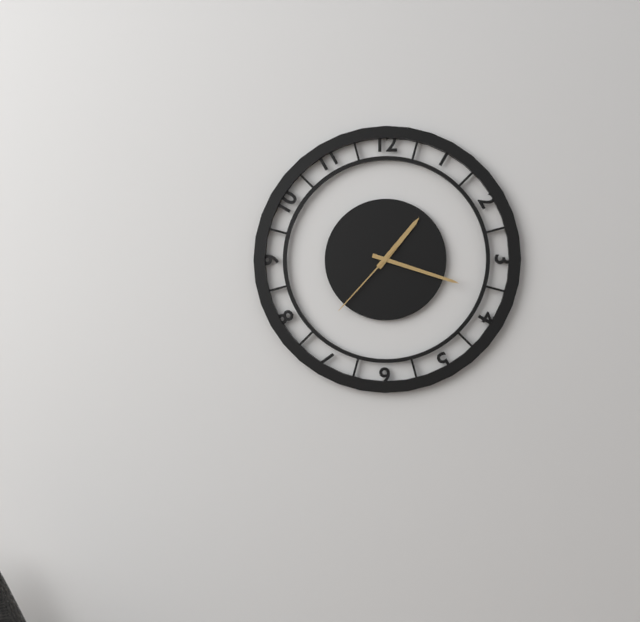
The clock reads {"hour": 1, "minute": 18, "second": 37}
